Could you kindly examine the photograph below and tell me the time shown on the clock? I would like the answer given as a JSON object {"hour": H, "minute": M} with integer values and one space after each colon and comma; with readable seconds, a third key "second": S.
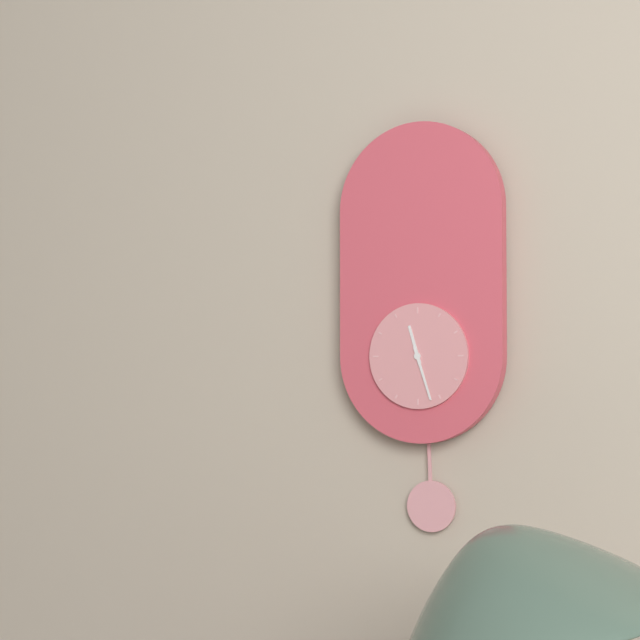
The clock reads {"hour": 11, "minute": 27}
